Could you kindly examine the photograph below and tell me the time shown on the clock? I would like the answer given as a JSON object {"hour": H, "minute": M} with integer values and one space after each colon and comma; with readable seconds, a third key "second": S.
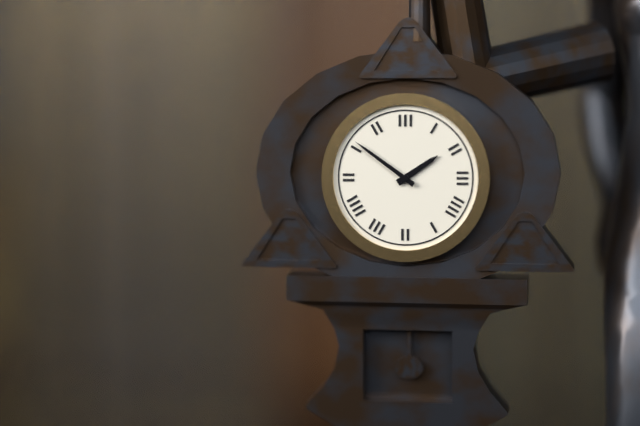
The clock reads {"hour": 1, "minute": 51}
